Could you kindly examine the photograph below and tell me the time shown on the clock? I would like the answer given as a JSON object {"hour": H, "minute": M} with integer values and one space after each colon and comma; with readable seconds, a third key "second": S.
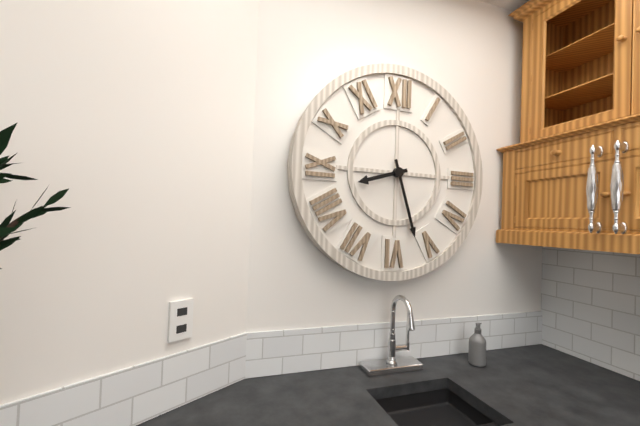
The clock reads {"hour": 8, "minute": 27}
